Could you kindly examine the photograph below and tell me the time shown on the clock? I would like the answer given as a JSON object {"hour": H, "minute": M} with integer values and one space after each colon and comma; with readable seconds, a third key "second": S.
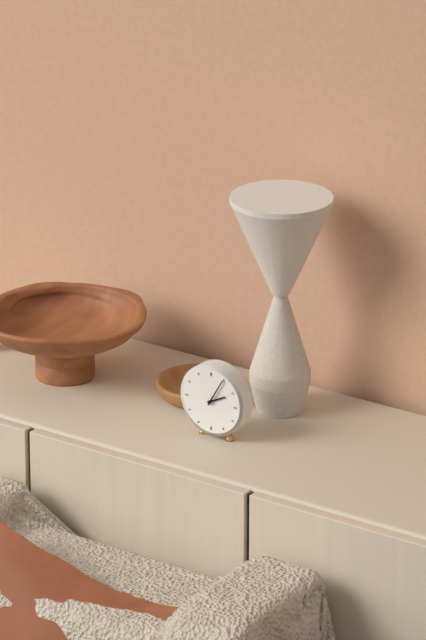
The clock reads {"hour": 2, "minute": 5}
